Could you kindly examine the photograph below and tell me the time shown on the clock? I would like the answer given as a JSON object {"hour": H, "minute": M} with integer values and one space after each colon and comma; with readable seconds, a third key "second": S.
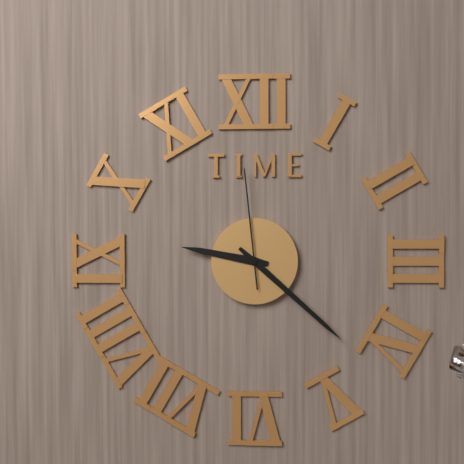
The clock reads {"hour": 9, "minute": 22, "second": 59}
